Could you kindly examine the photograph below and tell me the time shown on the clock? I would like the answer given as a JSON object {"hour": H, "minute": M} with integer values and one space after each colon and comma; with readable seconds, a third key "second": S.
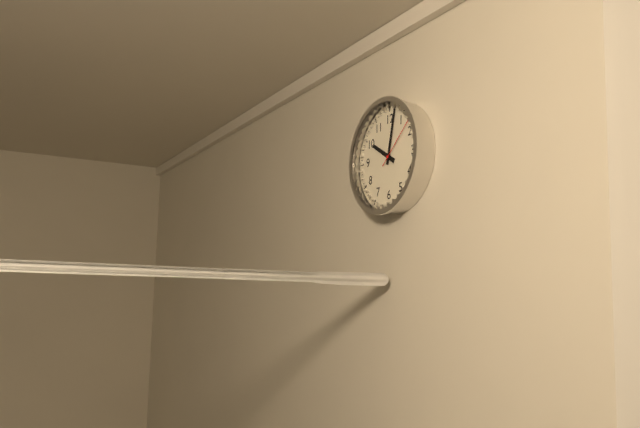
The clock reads {"hour": 10, "minute": 2, "second": 8}
